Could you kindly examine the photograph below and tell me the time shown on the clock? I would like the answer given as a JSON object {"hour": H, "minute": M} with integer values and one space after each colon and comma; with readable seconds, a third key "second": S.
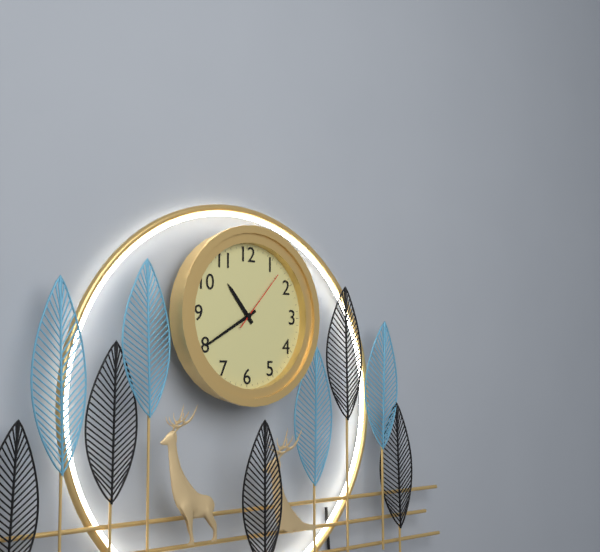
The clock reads {"hour": 10, "minute": 40, "second": 7}
